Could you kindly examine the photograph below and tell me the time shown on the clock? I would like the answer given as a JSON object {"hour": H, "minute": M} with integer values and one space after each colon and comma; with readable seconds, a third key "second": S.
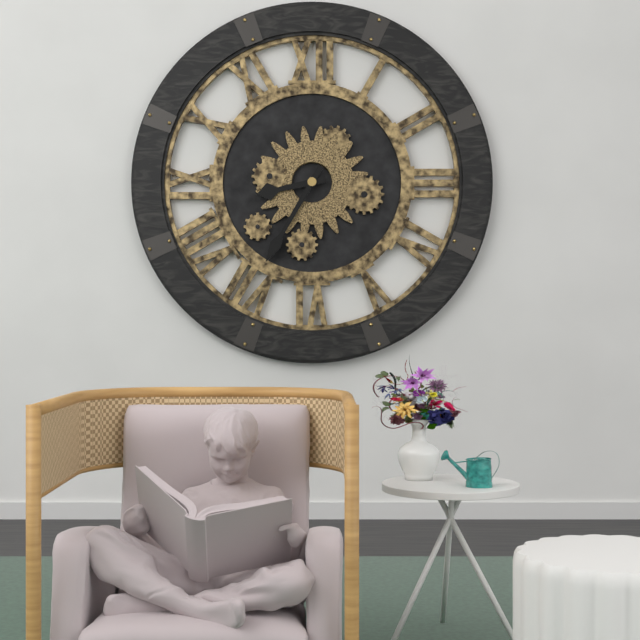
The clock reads {"hour": 8, "minute": 35}
